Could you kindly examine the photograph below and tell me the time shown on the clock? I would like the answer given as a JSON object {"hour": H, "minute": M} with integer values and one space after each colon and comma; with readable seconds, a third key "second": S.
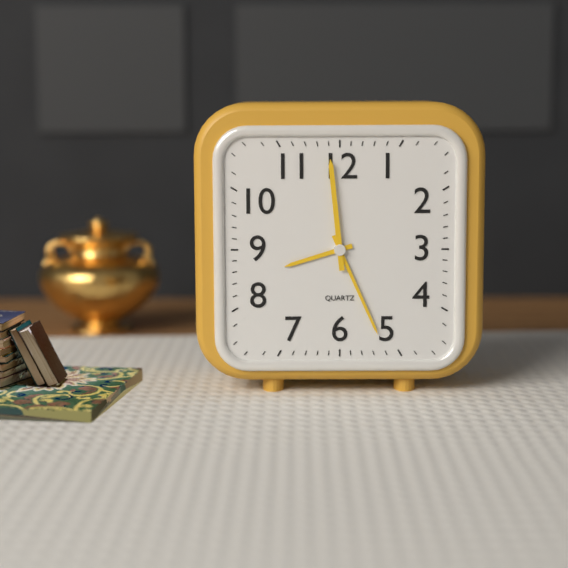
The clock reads {"hour": 8, "minute": 26, "second": 59}
